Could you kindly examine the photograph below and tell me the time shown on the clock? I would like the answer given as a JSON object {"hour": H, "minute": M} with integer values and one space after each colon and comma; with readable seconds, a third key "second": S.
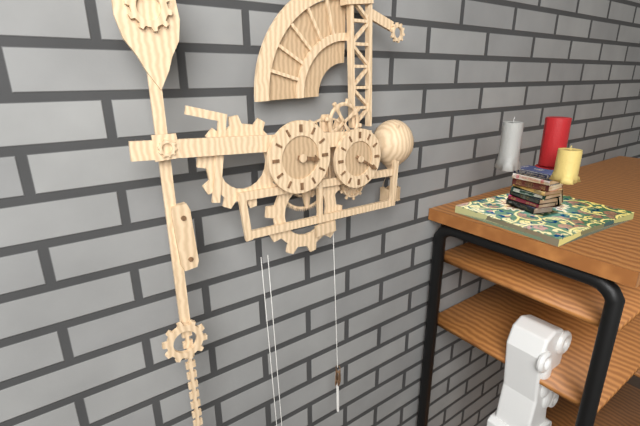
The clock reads {"hour": 3, "minute": 20}
